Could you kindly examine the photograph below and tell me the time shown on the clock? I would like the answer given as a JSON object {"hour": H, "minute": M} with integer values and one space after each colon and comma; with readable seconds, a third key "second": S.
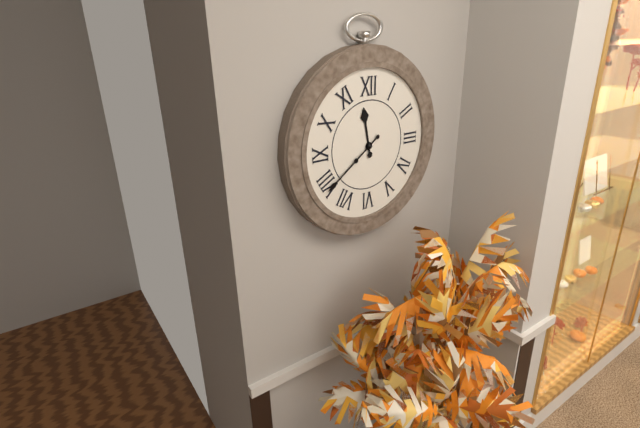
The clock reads {"hour": 11, "minute": 39}
